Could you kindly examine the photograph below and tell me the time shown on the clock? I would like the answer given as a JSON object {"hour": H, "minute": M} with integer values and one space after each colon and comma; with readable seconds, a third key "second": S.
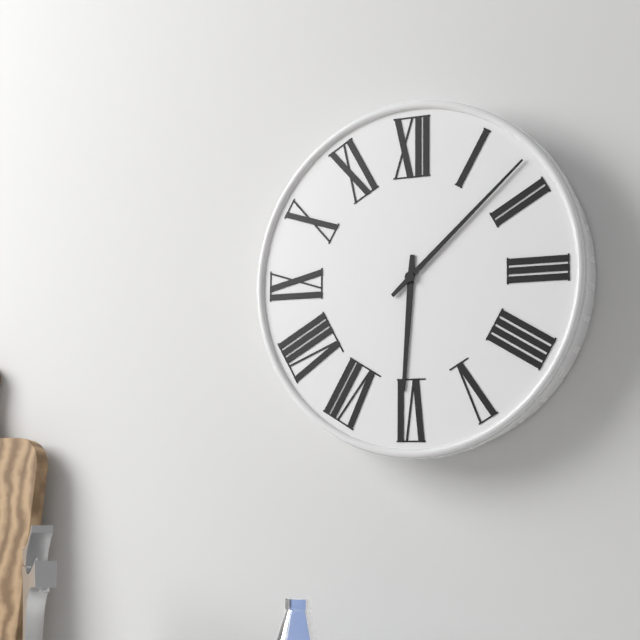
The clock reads {"hour": 6, "minute": 8}
